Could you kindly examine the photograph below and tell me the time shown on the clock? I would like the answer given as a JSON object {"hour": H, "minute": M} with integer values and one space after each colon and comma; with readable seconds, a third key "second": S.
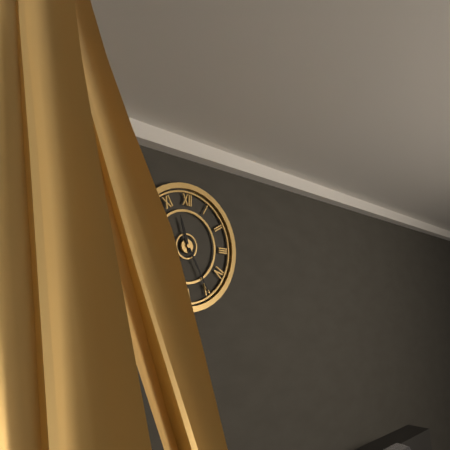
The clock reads {"hour": 11, "minute": 25}
